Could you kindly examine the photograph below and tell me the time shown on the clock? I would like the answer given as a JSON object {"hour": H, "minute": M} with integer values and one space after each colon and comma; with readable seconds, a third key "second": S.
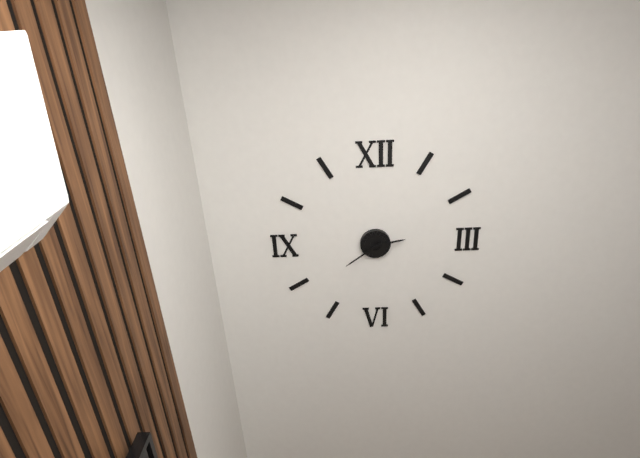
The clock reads {"hour": 2, "minute": 39}
